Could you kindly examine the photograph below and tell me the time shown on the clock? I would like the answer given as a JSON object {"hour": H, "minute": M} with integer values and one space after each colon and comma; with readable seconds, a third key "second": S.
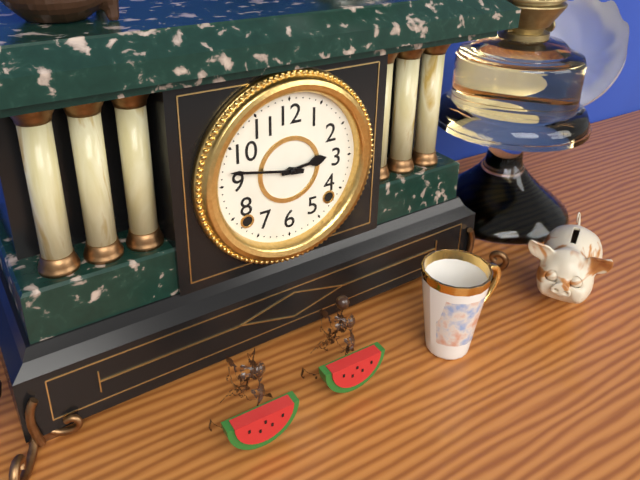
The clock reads {"hour": 2, "minute": 47}
